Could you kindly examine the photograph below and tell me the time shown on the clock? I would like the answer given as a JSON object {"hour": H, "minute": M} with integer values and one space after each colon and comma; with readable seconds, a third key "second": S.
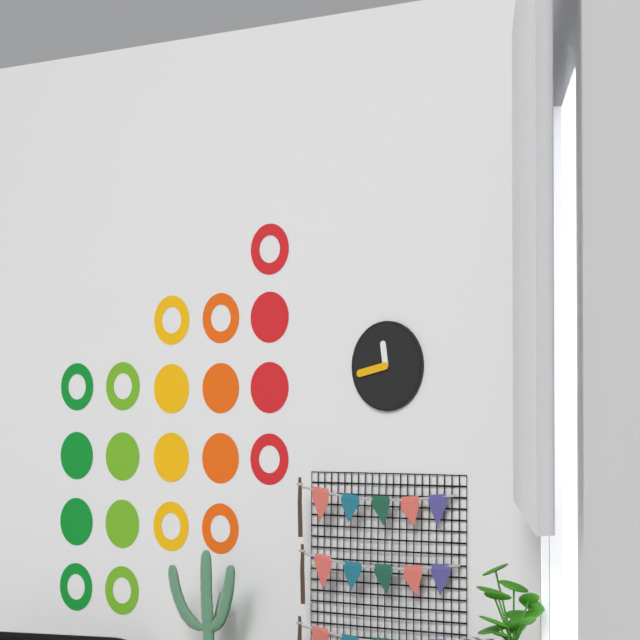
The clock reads {"hour": 11, "minute": 43}
